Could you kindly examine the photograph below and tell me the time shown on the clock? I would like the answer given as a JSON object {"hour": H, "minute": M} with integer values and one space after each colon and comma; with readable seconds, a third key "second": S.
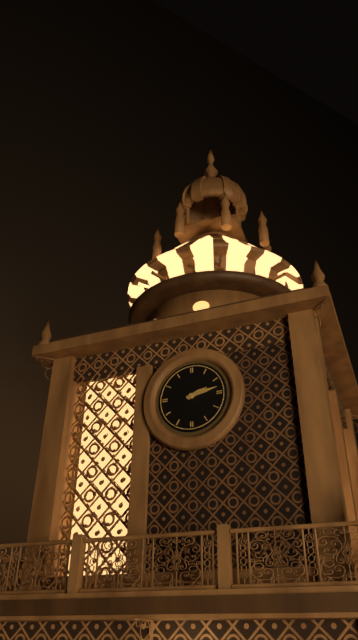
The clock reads {"hour": 2, "minute": 13}
